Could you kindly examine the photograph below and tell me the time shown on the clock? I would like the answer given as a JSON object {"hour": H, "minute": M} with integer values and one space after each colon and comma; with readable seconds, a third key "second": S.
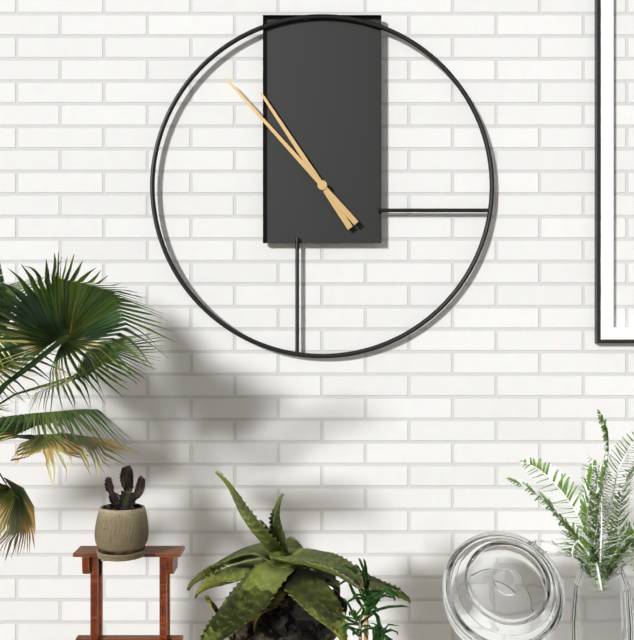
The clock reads {"hour": 10, "minute": 53}
